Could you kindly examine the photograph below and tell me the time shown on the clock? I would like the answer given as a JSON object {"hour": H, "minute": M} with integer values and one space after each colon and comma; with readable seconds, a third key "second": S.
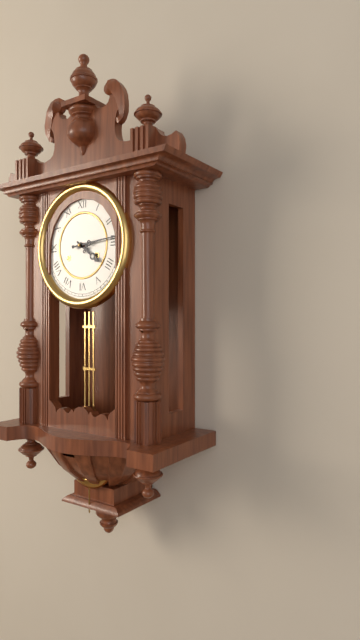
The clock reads {"hour": 4, "minute": 14}
